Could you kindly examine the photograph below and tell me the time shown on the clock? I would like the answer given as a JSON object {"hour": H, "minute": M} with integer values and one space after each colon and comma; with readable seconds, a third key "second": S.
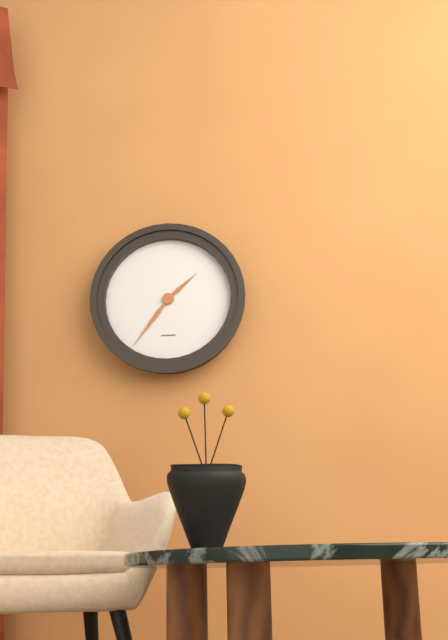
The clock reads {"hour": 1, "minute": 36}
